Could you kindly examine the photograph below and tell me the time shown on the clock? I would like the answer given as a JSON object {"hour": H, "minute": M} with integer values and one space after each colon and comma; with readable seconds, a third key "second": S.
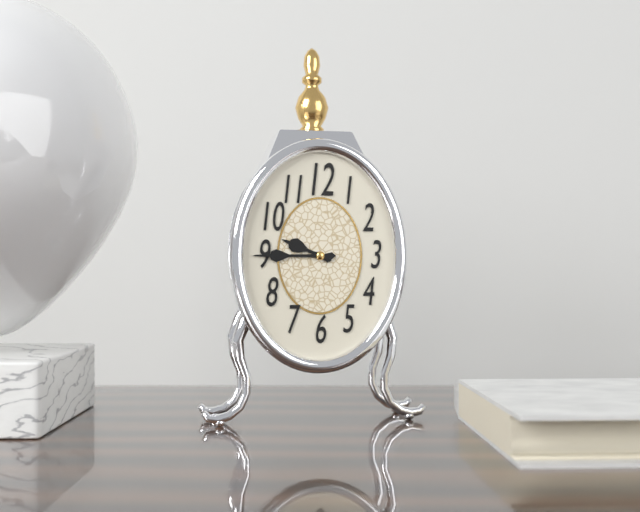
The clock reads {"hour": 9, "minute": 45}
